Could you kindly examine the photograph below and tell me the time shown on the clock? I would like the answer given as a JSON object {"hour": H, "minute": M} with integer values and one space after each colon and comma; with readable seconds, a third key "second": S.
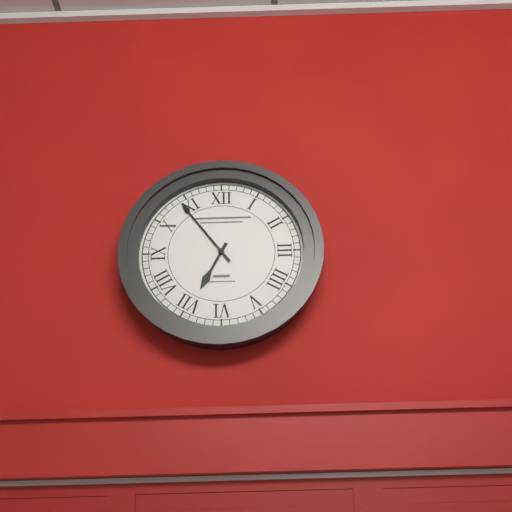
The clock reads {"hour": 6, "minute": 54}
